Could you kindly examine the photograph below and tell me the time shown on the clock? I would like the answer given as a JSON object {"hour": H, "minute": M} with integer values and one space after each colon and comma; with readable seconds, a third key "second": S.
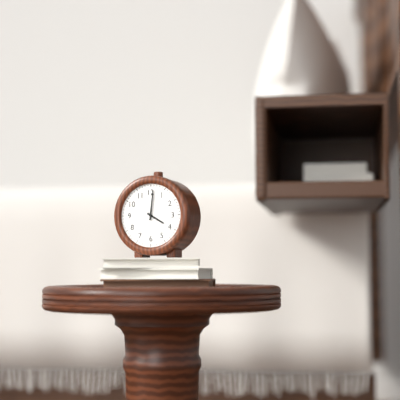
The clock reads {"hour": 4, "minute": 1}
